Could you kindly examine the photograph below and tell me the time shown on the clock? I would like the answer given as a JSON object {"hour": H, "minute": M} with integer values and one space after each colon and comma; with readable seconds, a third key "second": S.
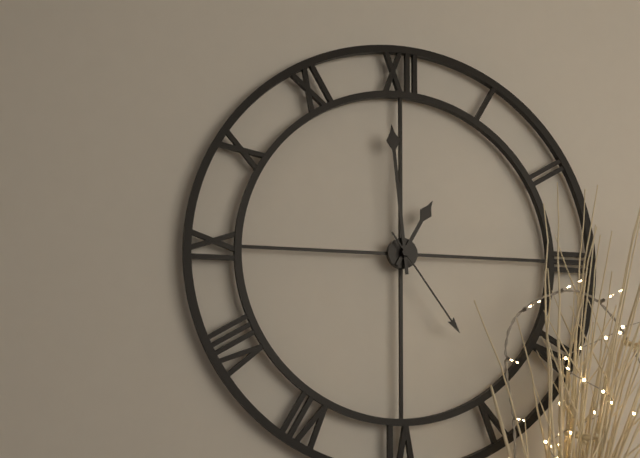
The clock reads {"hour": 12, "minute": 59, "second": 24}
